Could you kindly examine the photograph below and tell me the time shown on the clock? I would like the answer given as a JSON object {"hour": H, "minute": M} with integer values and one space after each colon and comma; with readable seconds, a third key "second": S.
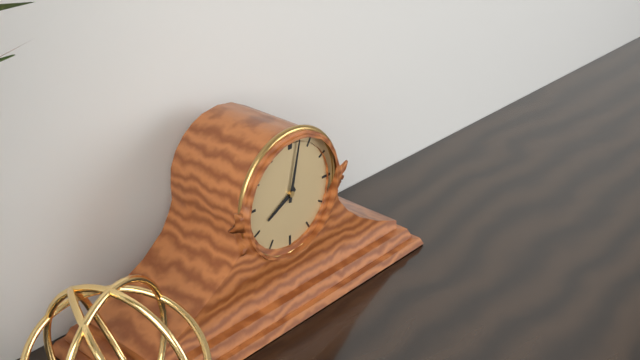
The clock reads {"hour": 8, "minute": 2}
